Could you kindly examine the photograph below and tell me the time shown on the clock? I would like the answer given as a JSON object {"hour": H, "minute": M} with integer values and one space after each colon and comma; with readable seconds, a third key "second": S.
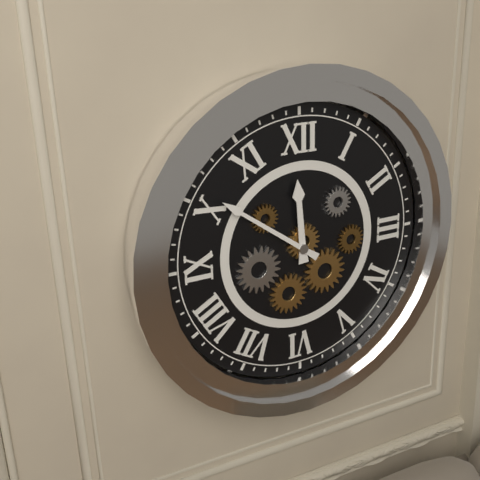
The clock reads {"hour": 11, "minute": 51}
